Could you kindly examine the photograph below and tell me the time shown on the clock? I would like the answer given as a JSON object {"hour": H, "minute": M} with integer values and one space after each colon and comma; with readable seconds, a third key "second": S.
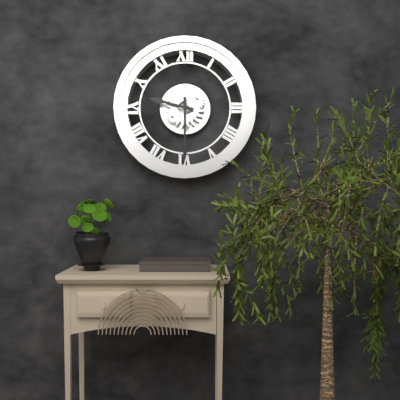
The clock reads {"hour": 9, "minute": 30}
